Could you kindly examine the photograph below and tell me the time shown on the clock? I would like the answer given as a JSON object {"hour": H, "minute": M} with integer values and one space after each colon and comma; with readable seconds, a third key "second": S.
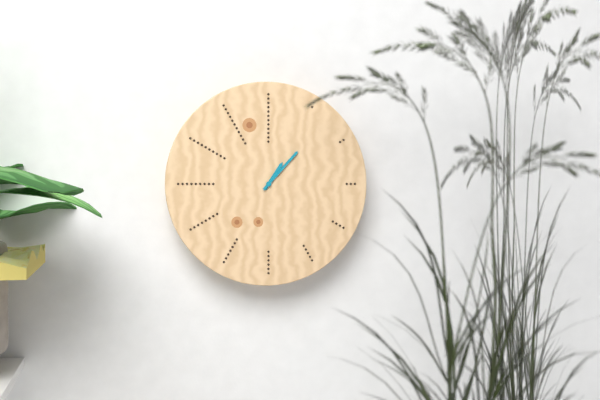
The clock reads {"hour": 1, "minute": 7}
